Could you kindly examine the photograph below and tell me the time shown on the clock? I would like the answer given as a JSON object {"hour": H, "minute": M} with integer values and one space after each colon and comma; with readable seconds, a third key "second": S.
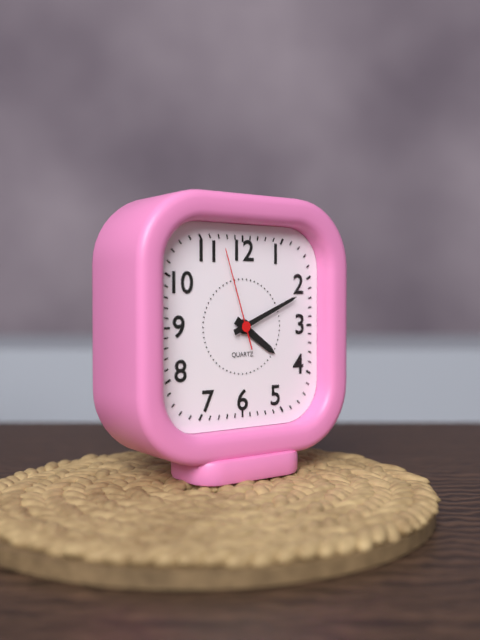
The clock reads {"hour": 4, "minute": 11, "second": 57}
